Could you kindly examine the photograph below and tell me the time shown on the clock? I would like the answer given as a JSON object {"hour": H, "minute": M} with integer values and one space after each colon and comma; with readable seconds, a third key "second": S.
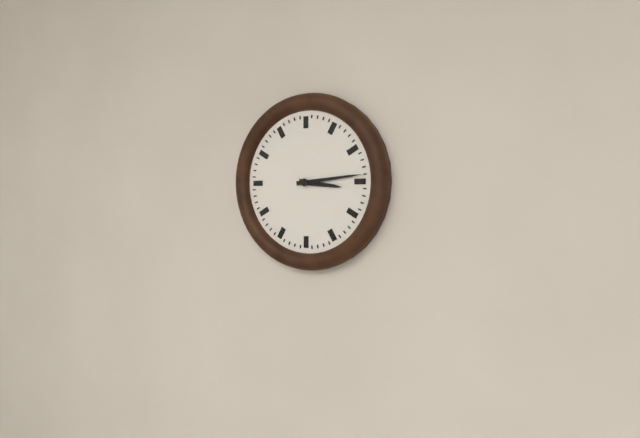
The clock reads {"hour": 3, "minute": 14}
